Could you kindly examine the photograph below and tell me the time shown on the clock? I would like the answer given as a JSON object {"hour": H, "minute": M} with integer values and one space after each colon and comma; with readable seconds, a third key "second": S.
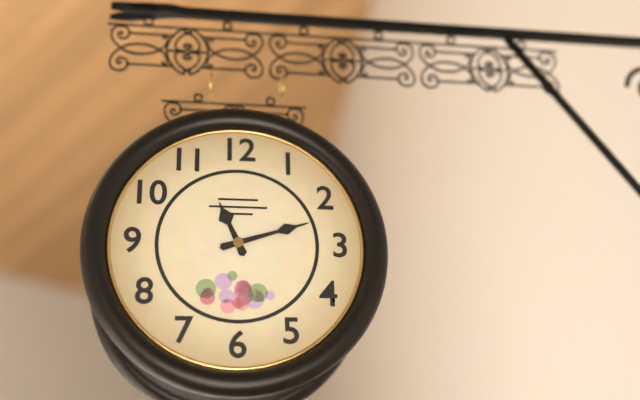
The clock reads {"hour": 11, "minute": 12}
